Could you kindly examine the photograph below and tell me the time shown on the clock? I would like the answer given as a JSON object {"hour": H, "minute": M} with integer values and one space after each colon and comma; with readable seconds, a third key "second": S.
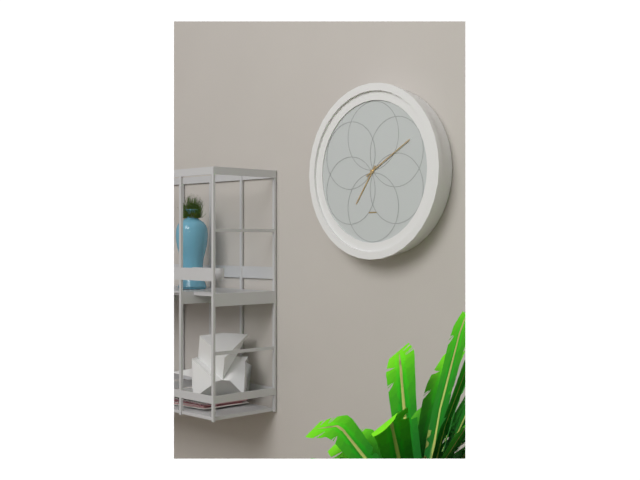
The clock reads {"hour": 7, "minute": 10}
